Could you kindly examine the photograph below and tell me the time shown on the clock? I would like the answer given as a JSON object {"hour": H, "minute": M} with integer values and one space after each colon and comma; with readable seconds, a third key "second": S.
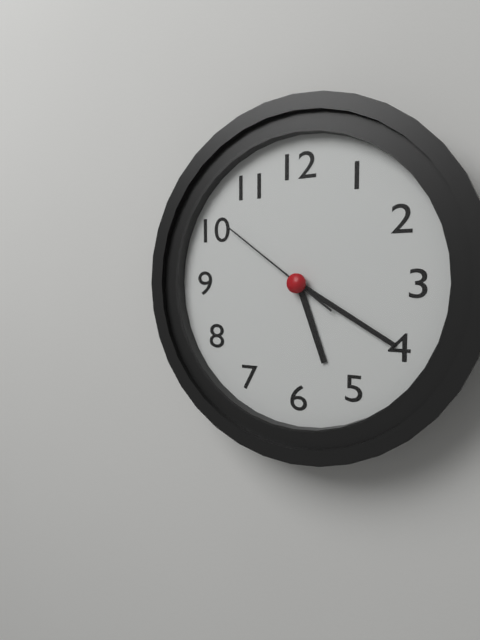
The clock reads {"hour": 5, "minute": 20, "second": 51}
